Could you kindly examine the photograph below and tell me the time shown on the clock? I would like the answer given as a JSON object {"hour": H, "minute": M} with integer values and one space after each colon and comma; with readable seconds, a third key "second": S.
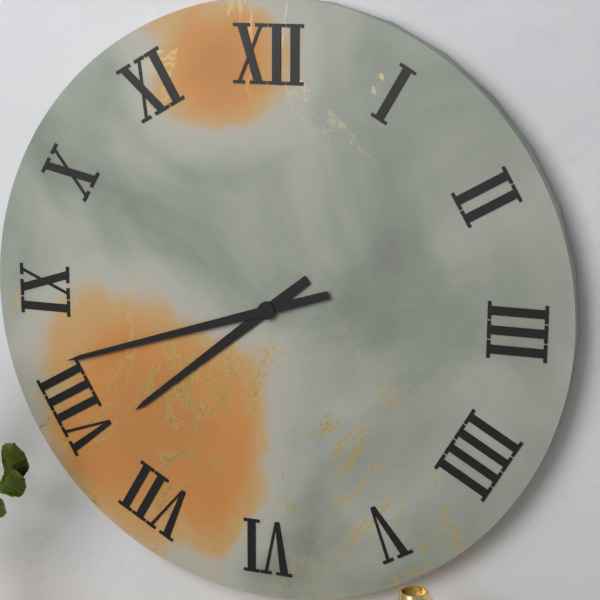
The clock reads {"hour": 7, "minute": 42}
